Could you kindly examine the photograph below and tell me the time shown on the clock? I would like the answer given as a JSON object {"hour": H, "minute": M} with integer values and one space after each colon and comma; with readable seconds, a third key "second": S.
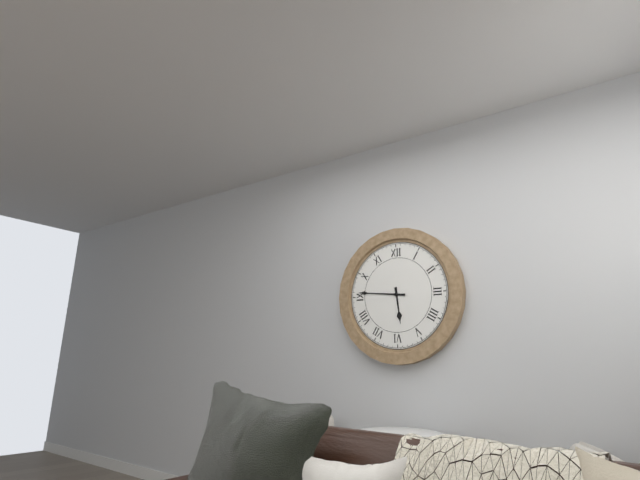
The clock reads {"hour": 5, "minute": 46}
